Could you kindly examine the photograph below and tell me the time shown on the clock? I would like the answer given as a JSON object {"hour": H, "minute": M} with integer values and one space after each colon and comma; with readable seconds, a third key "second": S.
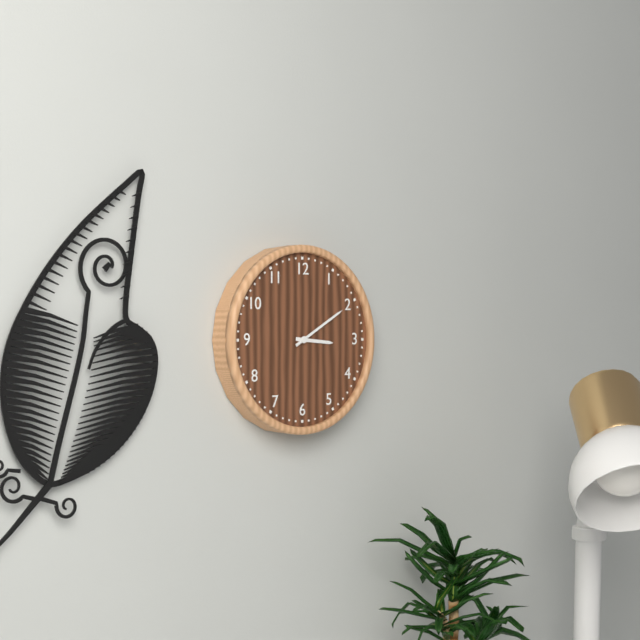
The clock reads {"hour": 3, "minute": 10}
